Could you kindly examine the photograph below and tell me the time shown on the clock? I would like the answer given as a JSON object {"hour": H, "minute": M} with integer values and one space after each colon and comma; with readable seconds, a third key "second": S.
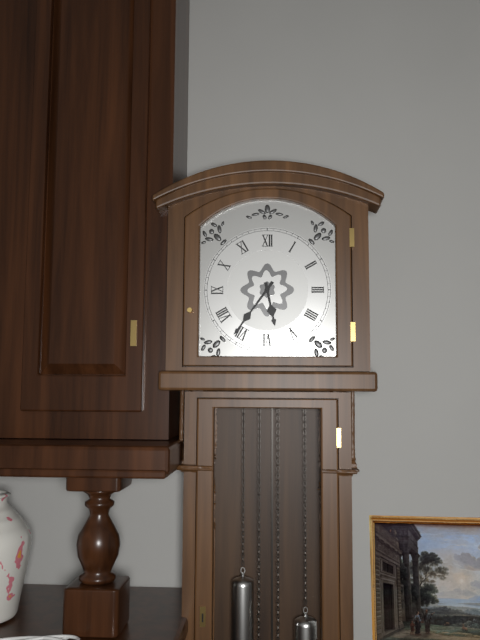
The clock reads {"hour": 5, "minute": 36}
